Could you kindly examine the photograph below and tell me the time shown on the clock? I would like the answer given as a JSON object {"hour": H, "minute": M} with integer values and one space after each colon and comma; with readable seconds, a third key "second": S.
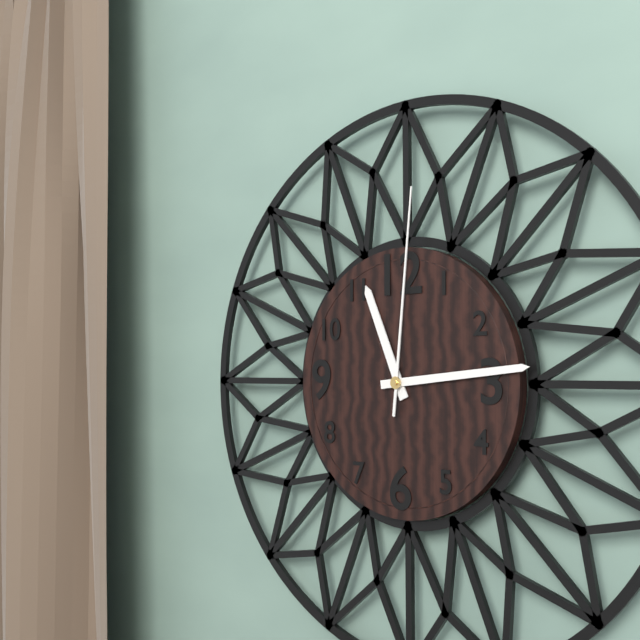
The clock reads {"hour": 11, "minute": 14, "second": 1}
